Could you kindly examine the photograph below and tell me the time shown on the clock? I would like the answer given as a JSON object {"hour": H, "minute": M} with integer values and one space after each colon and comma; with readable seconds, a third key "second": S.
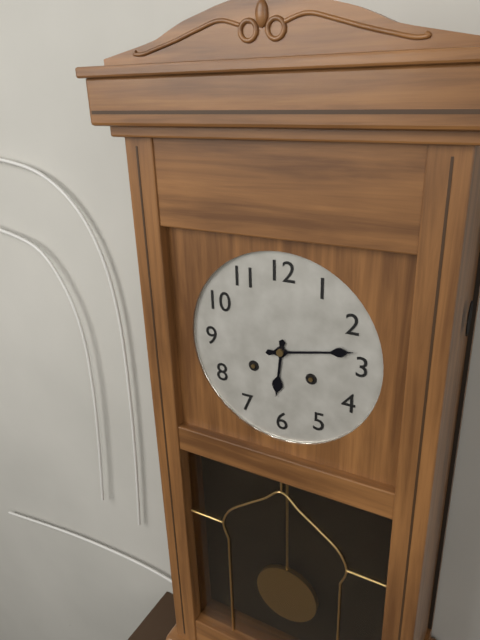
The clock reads {"hour": 6, "minute": 13}
